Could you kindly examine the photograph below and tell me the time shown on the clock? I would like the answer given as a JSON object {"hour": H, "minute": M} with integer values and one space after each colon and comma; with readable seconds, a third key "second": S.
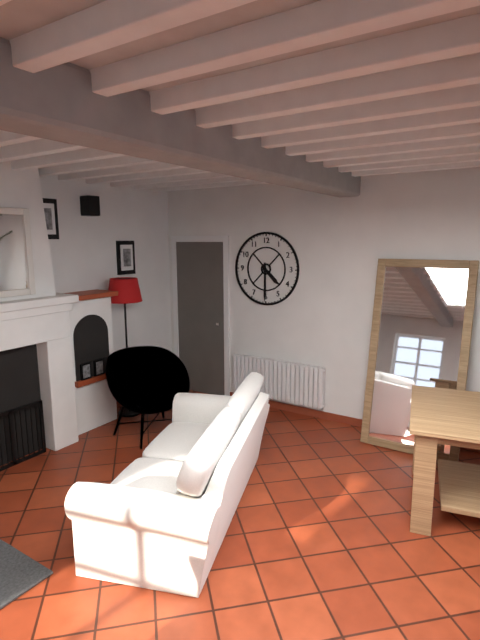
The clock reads {"hour": 4, "minute": 30}
